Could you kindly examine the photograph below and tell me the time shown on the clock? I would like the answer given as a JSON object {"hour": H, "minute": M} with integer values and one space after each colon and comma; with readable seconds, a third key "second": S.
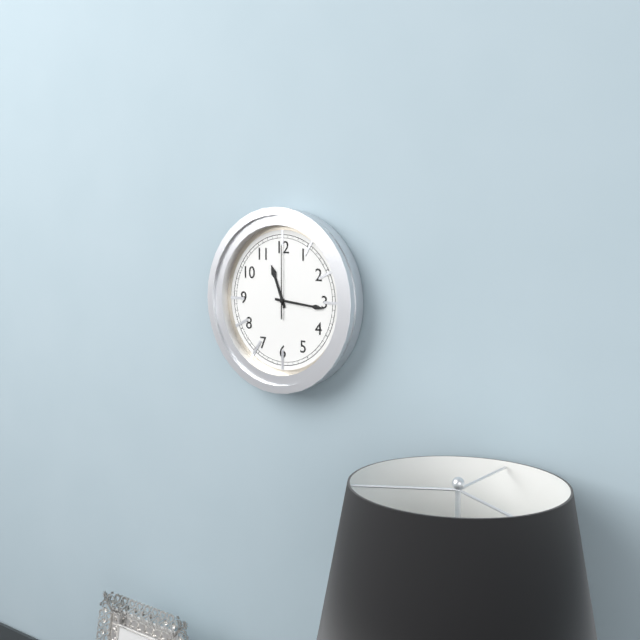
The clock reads {"hour": 11, "minute": 16, "second": 0}
